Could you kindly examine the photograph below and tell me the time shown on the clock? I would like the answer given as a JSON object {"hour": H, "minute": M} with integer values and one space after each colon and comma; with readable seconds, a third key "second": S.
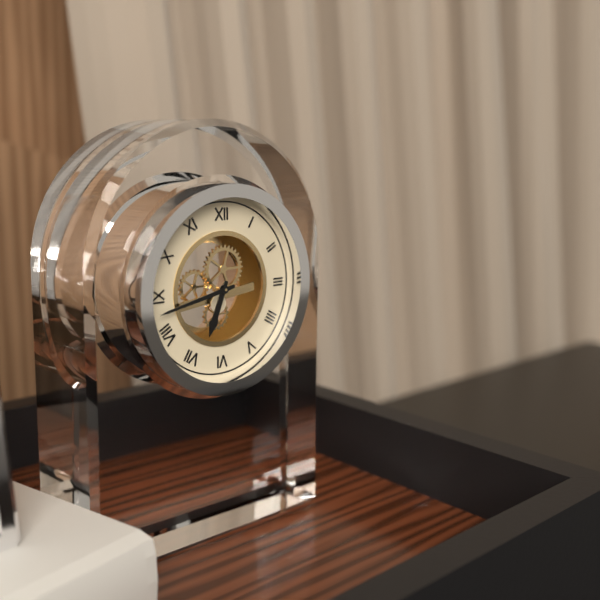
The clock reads {"hour": 6, "minute": 43}
